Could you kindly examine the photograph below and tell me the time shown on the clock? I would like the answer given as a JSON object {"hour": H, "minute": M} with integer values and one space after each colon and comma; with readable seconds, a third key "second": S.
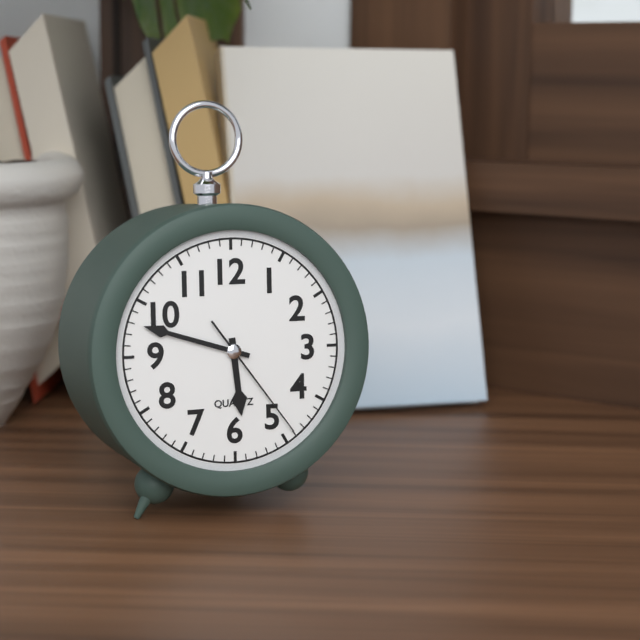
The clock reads {"hour": 5, "minute": 48, "second": 24}
